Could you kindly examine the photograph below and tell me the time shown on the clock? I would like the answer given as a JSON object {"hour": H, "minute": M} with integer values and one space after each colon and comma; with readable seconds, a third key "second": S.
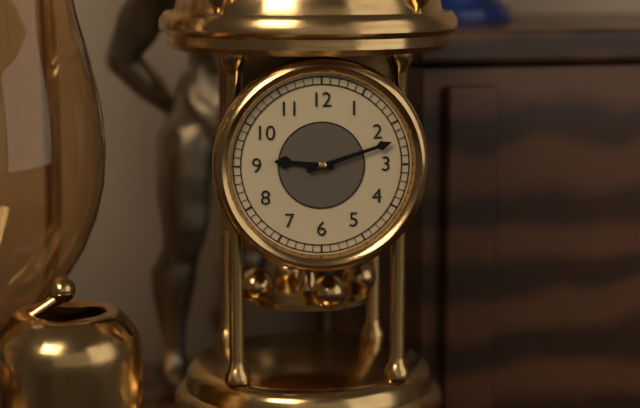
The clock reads {"hour": 9, "minute": 12}
